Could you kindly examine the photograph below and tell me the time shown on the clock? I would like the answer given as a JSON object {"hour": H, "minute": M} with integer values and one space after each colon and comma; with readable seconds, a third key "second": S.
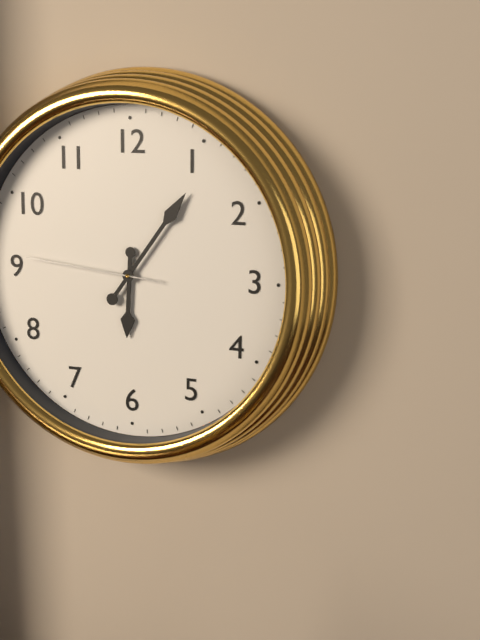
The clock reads {"hour": 6, "minute": 6, "second": 46}
